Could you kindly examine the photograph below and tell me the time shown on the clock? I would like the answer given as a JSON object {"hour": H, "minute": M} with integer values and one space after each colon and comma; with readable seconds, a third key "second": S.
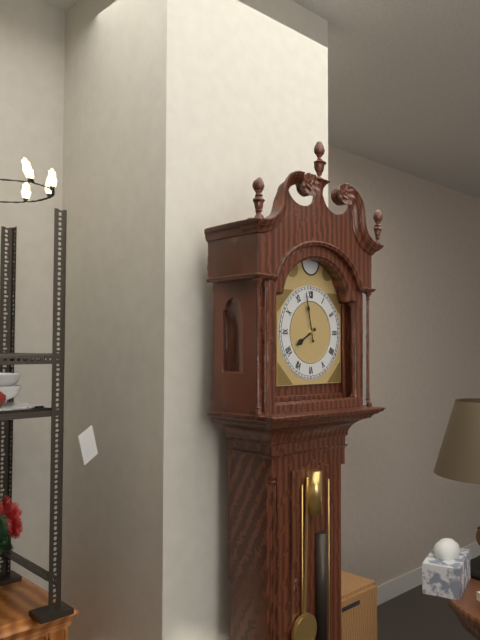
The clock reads {"hour": 7, "minute": 58}
